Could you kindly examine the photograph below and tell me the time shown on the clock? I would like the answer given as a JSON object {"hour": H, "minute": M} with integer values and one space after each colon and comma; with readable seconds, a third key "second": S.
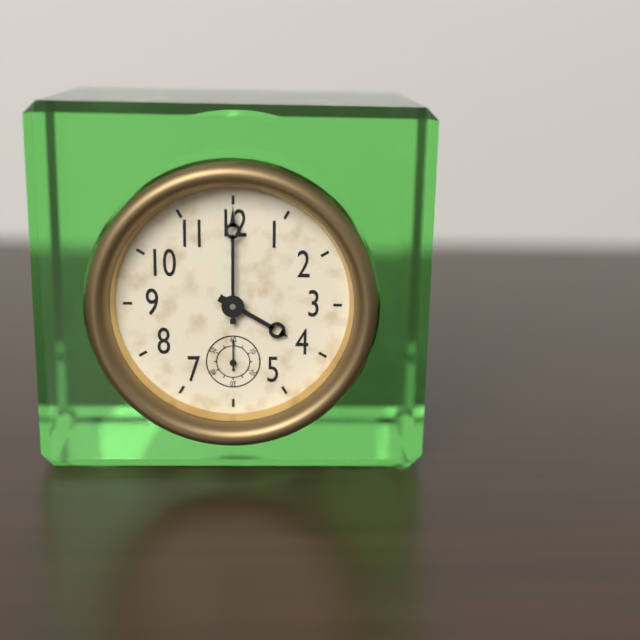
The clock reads {"hour": 4, "minute": 0}
